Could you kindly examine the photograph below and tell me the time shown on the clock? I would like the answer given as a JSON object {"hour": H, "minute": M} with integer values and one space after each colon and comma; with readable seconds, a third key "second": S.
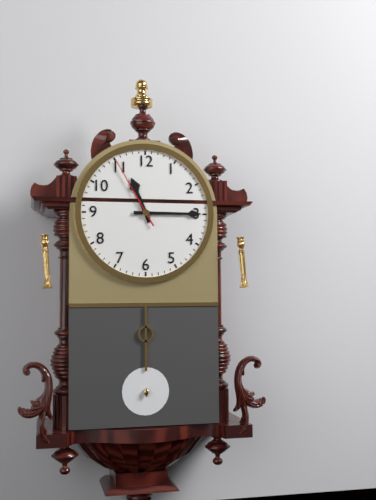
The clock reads {"hour": 11, "minute": 15, "second": 55}
